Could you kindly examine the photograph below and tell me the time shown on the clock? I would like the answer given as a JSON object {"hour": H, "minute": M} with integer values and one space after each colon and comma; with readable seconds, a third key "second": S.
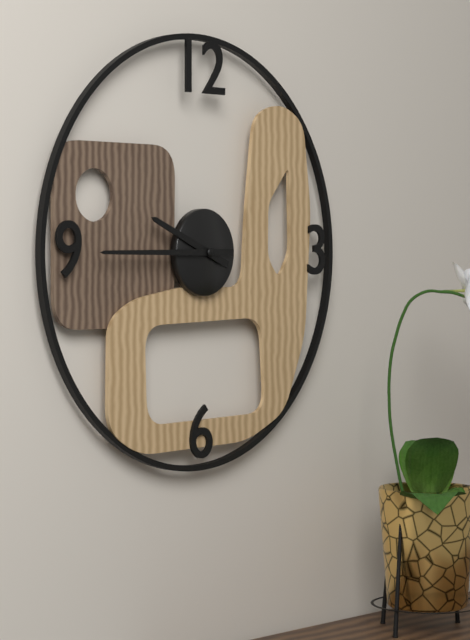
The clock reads {"hour": 9, "minute": 45}
